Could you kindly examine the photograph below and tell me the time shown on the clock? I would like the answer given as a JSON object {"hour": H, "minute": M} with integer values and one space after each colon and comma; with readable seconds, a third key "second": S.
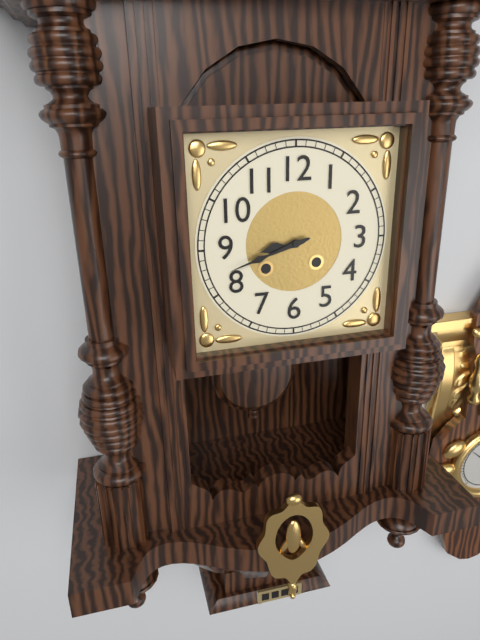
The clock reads {"hour": 8, "minute": 42}
